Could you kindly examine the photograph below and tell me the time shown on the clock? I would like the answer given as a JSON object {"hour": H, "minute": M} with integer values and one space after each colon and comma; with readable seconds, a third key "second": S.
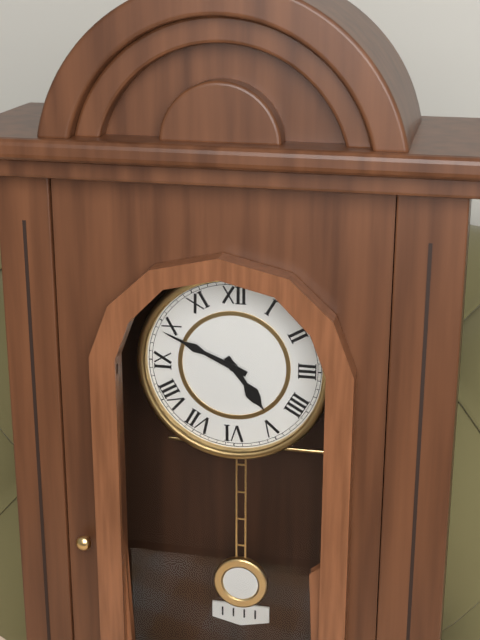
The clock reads {"hour": 4, "minute": 49}
